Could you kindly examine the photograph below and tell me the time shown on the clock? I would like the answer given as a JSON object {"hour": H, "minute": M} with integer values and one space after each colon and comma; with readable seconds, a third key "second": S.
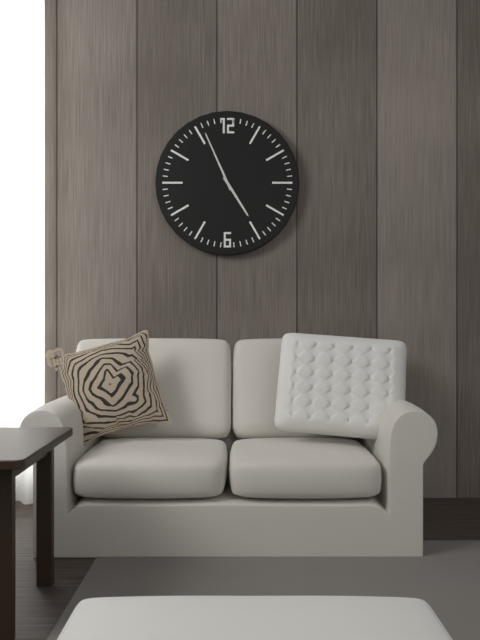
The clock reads {"hour": 4, "minute": 56}
